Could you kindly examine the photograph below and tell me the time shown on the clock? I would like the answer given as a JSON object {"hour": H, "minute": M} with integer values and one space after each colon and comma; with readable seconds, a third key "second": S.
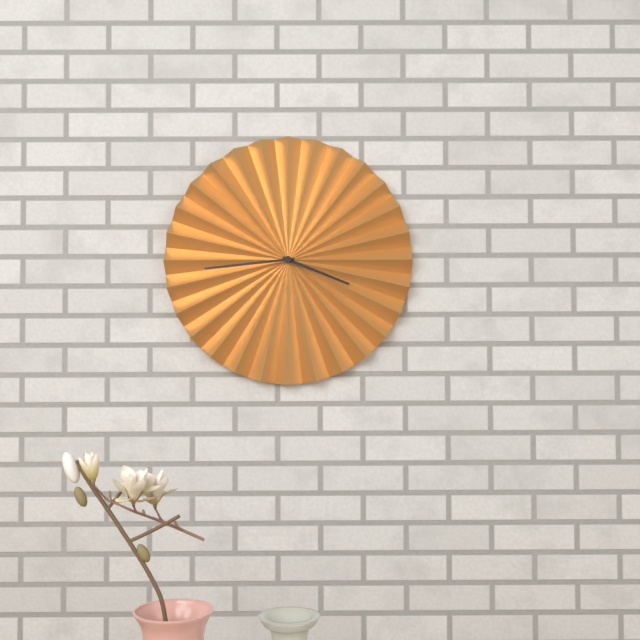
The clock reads {"hour": 3, "minute": 44}
